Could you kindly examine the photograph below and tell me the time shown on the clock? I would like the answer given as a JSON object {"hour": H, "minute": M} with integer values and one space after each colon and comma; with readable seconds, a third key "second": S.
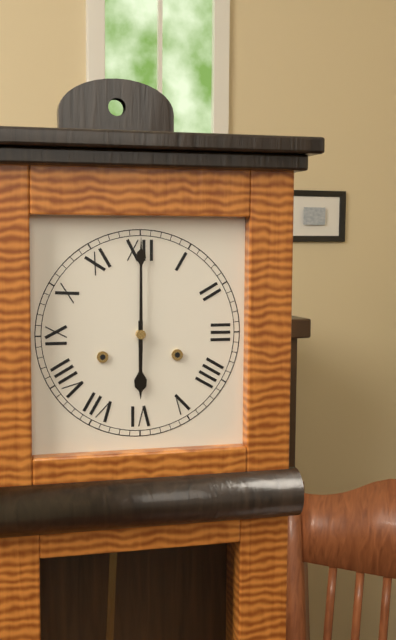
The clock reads {"hour": 6, "minute": 0}
